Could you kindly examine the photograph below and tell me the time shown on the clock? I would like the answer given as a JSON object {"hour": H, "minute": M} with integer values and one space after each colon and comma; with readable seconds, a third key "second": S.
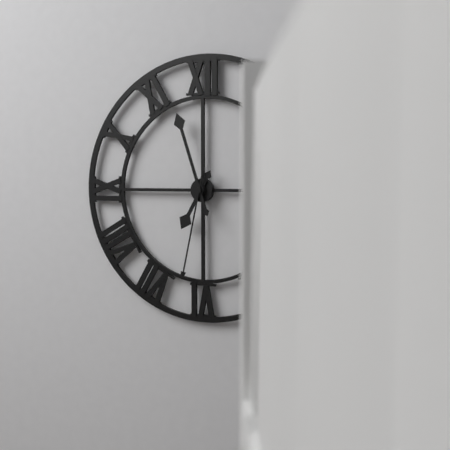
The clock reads {"hour": 6, "minute": 57, "second": 32}
